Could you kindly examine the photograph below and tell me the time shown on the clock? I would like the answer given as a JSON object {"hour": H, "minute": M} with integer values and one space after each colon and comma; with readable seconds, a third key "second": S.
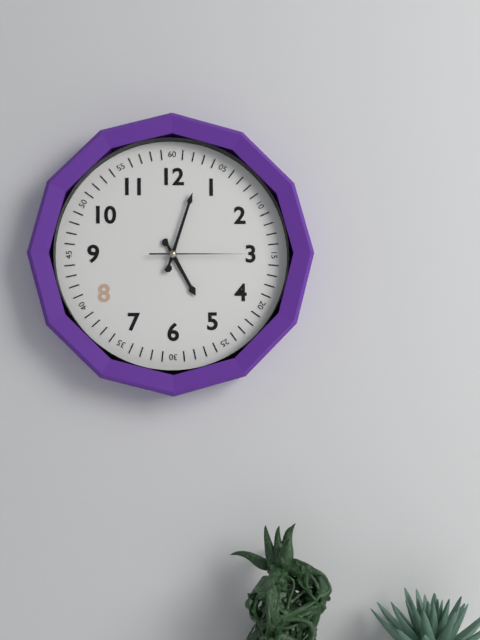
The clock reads {"hour": 5, "minute": 3, "second": 15}
